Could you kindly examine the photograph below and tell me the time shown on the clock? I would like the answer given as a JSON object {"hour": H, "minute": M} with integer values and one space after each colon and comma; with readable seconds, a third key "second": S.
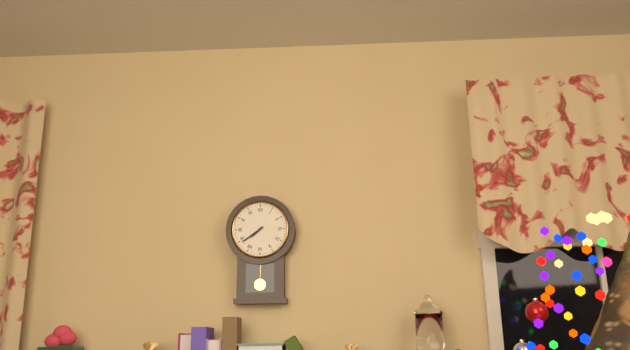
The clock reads {"hour": 7, "minute": 39}
